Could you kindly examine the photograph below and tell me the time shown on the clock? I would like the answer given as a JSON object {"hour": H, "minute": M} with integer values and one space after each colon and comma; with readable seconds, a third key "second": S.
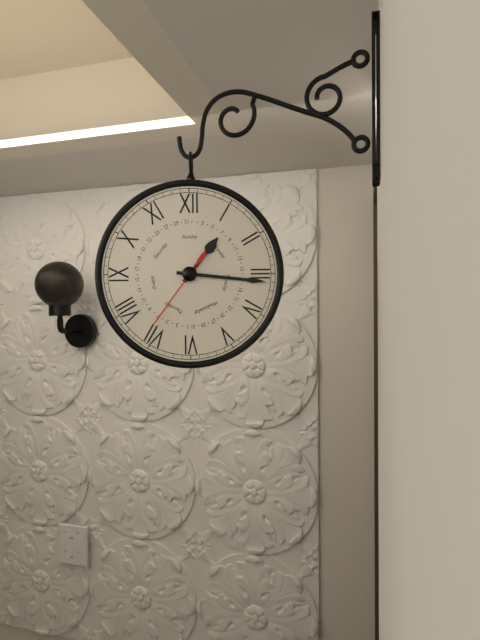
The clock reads {"hour": 1, "minute": 16, "second": 36}
